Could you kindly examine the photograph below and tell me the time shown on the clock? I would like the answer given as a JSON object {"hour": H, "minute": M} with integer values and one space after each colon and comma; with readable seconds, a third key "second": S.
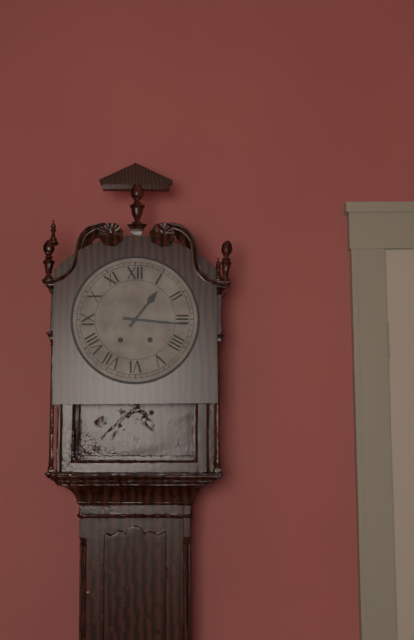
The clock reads {"hour": 1, "minute": 16}
